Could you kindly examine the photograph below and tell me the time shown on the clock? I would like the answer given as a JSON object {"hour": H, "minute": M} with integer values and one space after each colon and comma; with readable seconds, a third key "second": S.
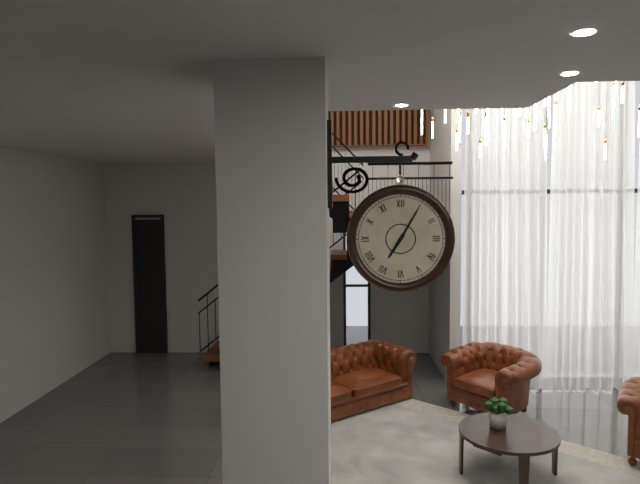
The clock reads {"hour": 7, "minute": 5}
